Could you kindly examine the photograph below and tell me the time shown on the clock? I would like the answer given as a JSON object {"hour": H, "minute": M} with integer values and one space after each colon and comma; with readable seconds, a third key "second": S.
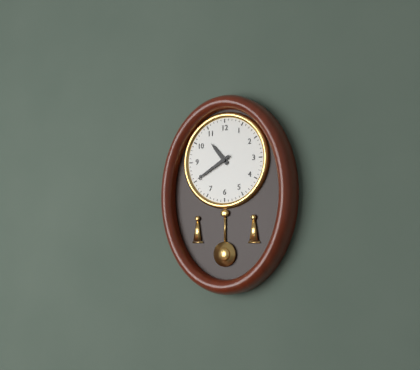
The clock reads {"hour": 10, "minute": 40}
